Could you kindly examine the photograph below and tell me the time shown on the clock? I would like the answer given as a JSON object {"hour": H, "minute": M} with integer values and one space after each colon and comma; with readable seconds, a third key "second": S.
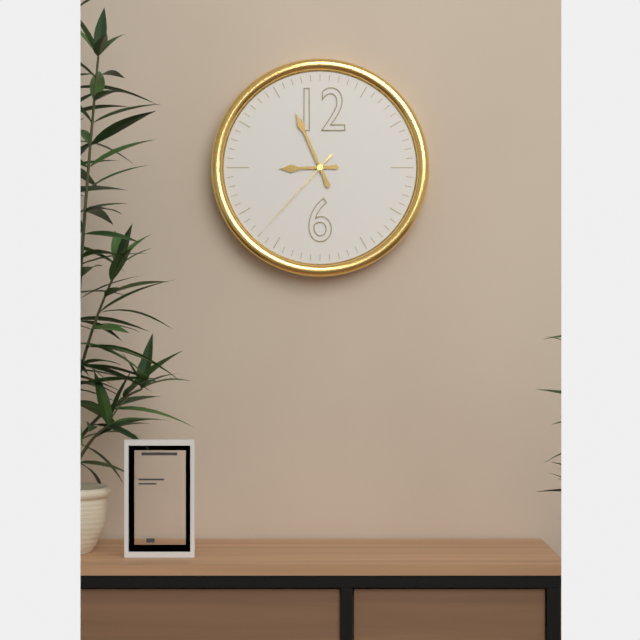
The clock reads {"hour": 8, "minute": 56, "second": 37}
